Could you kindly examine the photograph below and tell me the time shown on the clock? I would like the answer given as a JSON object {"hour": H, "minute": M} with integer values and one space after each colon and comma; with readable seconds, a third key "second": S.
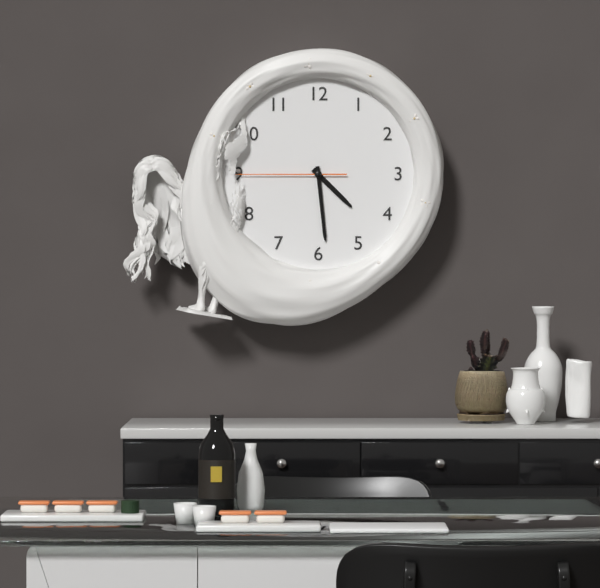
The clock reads {"hour": 4, "minute": 29, "second": 45}
